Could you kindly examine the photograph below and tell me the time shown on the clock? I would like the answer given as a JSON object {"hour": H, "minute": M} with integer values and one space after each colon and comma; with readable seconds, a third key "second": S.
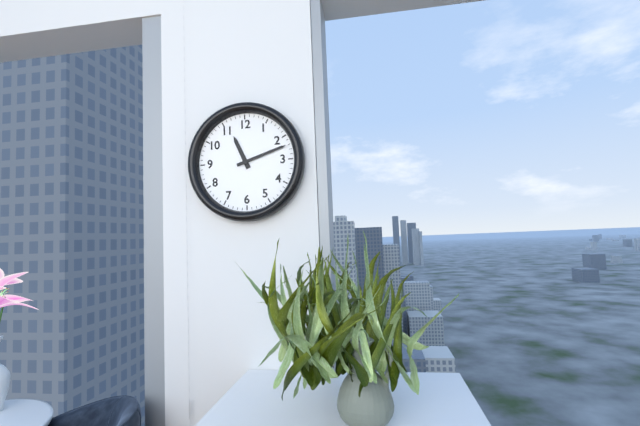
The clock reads {"hour": 11, "minute": 12}
